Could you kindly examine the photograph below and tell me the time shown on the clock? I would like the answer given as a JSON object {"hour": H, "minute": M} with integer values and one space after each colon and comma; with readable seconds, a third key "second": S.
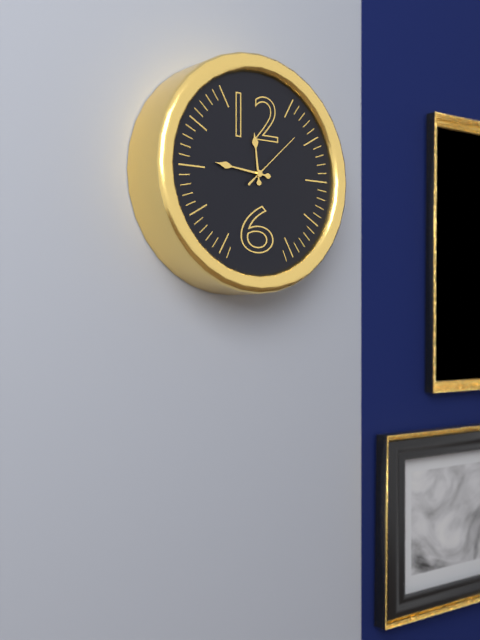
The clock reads {"hour": 11, "minute": 46, "second": 8}
